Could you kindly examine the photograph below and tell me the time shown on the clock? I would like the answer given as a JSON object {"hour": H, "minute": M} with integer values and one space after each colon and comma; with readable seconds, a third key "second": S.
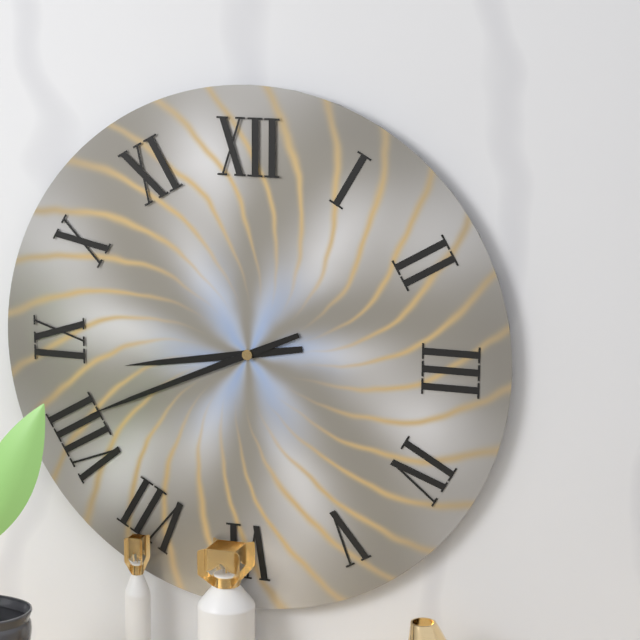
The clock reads {"hour": 8, "minute": 41}
